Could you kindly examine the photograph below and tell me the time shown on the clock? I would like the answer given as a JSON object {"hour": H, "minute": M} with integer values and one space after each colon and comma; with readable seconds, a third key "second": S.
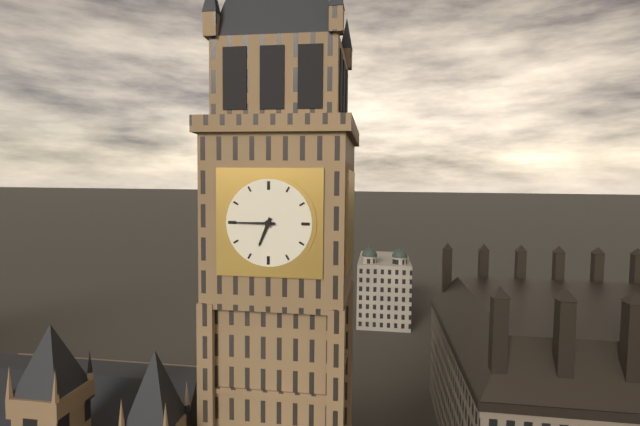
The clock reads {"hour": 6, "minute": 45}
